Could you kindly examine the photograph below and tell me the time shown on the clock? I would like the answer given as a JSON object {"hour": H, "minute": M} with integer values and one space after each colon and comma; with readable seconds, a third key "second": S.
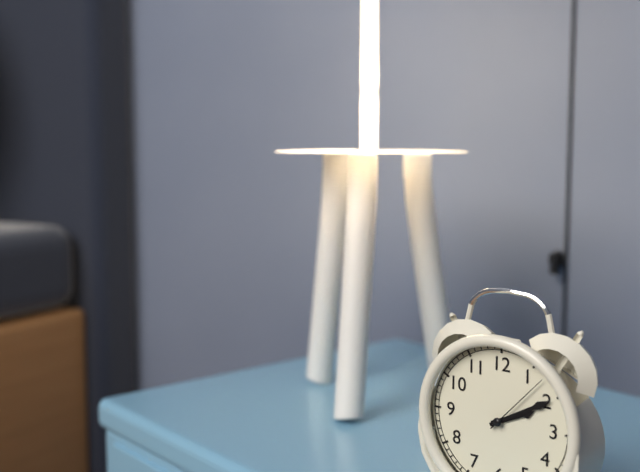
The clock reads {"hour": 2, "minute": 10, "second": 7}
